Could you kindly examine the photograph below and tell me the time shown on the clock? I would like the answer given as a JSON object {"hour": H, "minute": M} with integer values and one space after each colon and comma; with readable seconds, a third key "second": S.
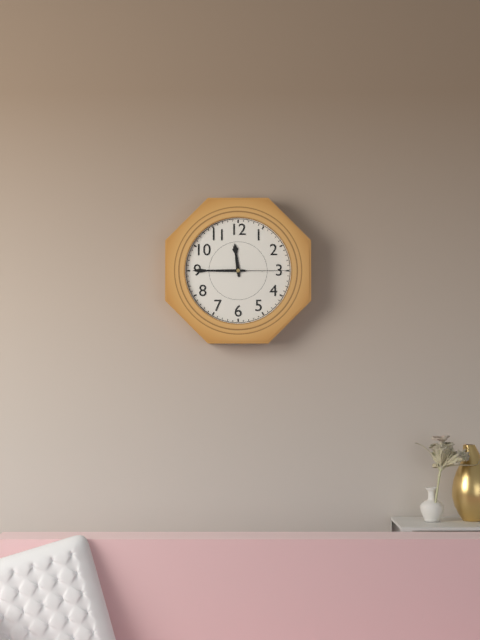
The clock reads {"hour": 11, "minute": 45, "second": 15}
